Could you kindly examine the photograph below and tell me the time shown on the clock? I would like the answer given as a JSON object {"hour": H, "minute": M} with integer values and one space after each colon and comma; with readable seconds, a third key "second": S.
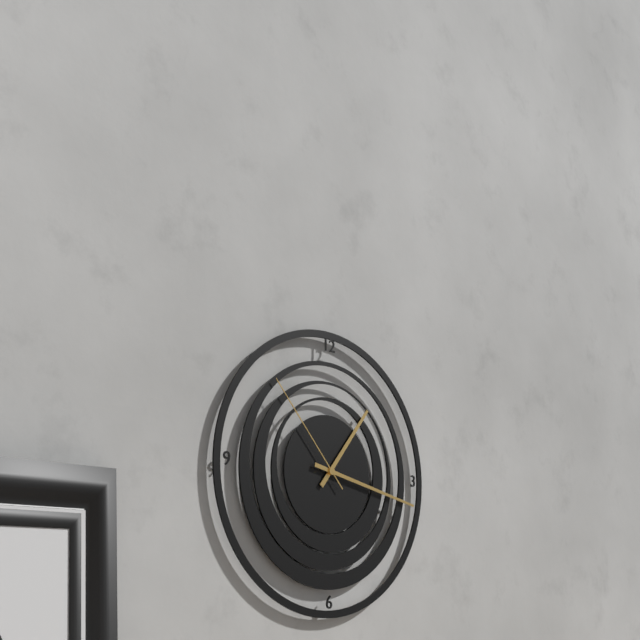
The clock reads {"hour": 1, "minute": 17, "second": 53}
